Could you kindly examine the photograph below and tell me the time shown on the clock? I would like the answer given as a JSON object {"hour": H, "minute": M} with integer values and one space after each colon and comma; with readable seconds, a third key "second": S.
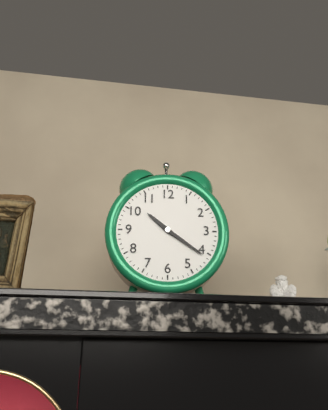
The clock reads {"hour": 10, "minute": 21}
